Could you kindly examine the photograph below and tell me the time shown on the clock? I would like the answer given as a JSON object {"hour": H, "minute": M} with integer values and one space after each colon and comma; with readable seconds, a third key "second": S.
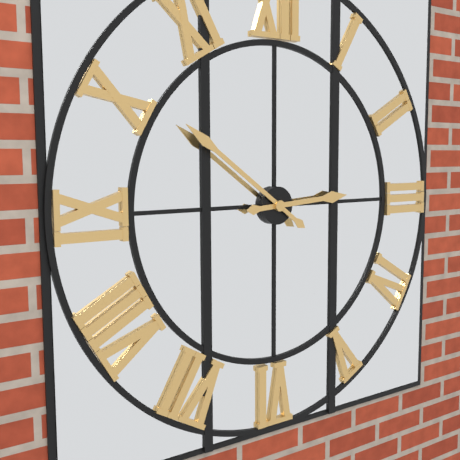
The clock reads {"hour": 2, "minute": 51}
